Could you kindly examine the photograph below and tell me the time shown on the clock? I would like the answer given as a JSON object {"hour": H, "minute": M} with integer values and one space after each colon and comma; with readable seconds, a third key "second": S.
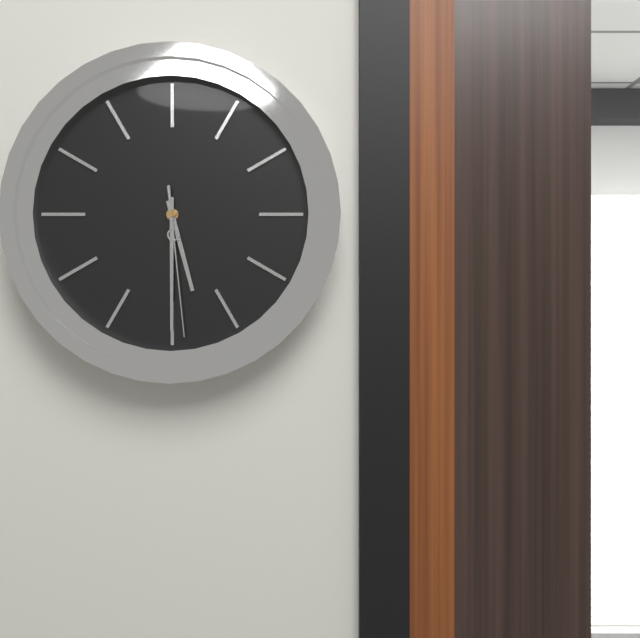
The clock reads {"hour": 5, "minute": 30, "second": 29}
